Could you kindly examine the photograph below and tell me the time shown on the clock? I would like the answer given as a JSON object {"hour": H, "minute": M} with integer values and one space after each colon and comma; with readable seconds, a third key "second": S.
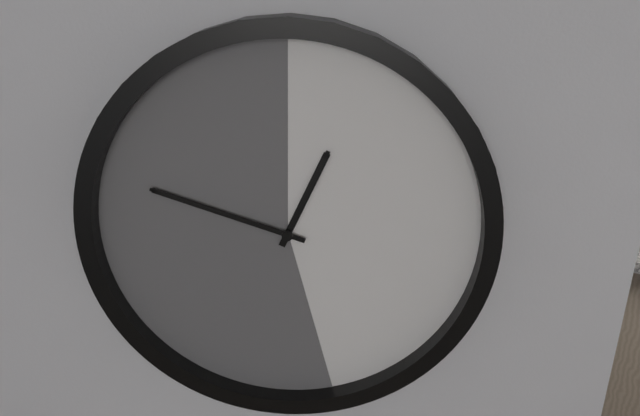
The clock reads {"hour": 12, "minute": 48}
